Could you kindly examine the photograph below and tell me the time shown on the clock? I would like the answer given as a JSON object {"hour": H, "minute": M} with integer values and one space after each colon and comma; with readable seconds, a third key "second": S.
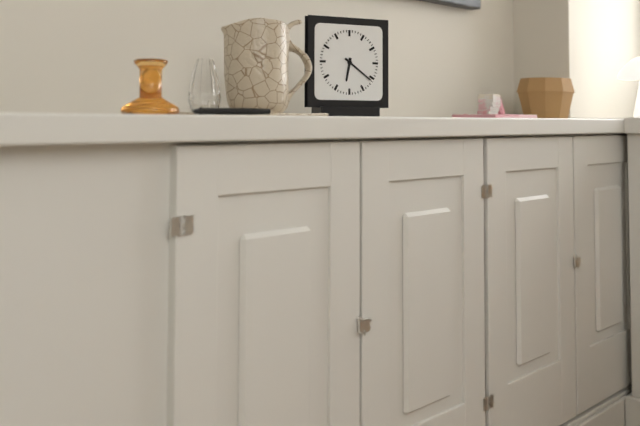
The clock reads {"hour": 6, "minute": 21}
